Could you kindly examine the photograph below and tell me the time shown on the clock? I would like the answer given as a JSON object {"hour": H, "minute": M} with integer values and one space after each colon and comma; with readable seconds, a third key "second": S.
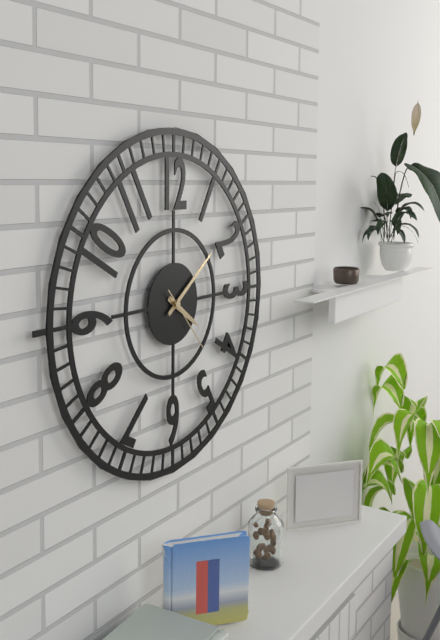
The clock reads {"hour": 4, "minute": 9, "second": 23}
